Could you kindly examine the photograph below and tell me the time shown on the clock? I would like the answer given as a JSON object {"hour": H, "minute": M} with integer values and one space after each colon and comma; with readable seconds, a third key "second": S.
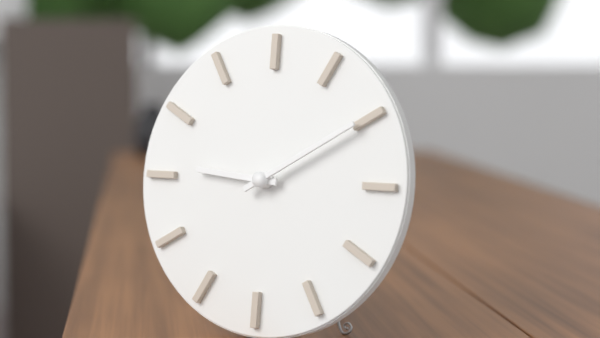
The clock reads {"hour": 9, "minute": 10}
